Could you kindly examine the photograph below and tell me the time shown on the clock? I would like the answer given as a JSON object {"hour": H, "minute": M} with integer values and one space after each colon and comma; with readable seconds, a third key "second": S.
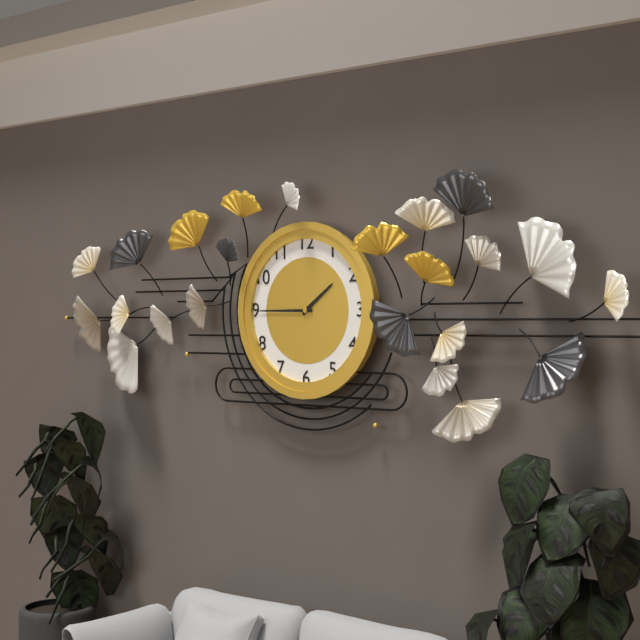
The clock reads {"hour": 1, "minute": 45}
